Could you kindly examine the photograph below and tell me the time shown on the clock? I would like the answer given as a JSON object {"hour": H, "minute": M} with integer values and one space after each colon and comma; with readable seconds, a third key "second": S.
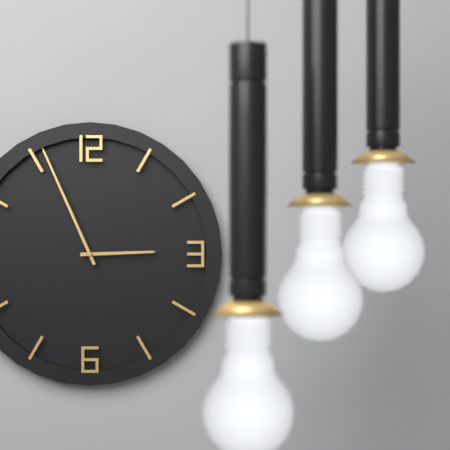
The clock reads {"hour": 2, "minute": 56}
